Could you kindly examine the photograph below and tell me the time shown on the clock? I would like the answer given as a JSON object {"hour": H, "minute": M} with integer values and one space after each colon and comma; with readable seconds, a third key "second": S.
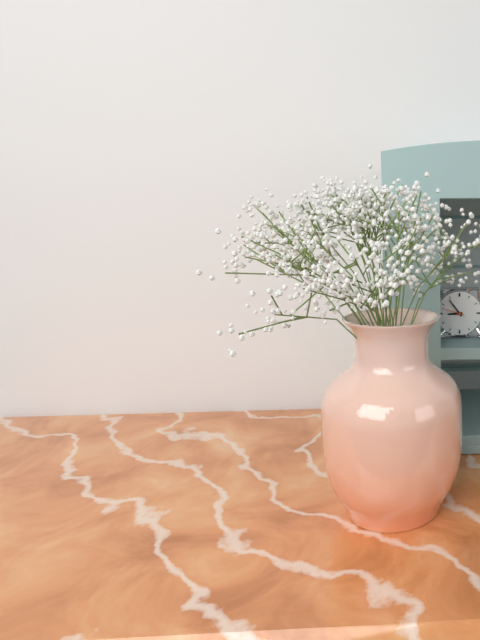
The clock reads {"hour": 8, "minute": 54}
